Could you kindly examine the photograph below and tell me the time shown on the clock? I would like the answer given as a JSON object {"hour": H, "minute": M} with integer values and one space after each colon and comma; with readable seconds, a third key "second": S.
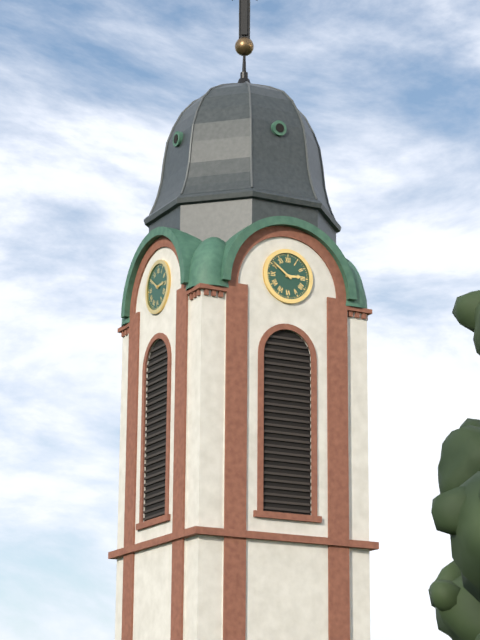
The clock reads {"hour": 2, "minute": 51}
